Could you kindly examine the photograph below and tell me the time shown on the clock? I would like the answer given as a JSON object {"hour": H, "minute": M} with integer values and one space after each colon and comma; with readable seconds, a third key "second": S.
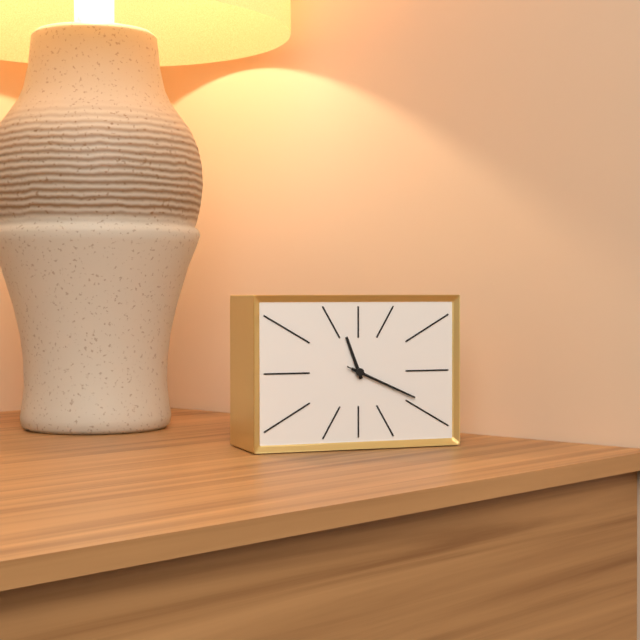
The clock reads {"hour": 11, "minute": 19, "second": 19}
